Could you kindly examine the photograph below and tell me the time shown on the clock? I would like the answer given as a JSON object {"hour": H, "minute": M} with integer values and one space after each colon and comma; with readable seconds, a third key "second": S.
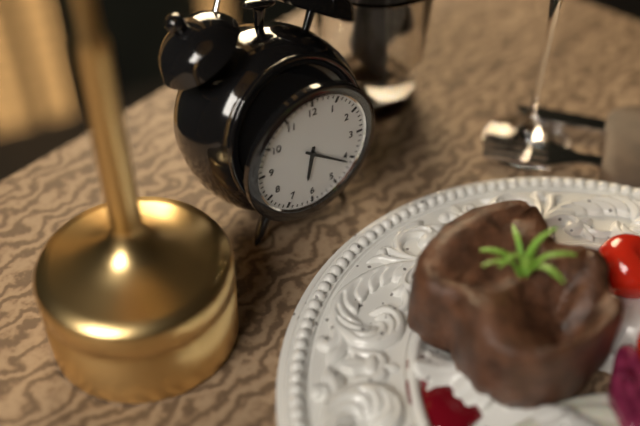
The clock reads {"hour": 6, "minute": 21}
